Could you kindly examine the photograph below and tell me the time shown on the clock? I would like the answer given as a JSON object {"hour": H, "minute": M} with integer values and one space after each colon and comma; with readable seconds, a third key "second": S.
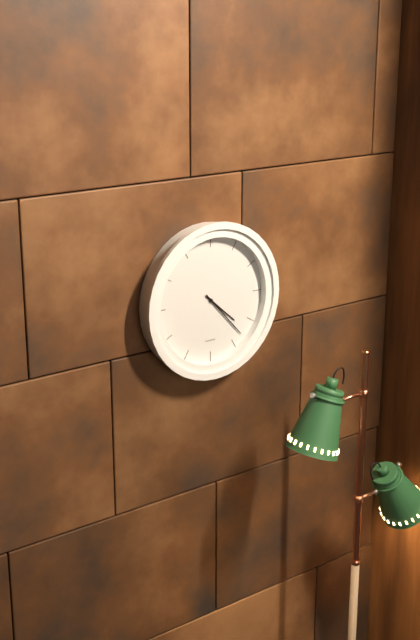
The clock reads {"hour": 4, "minute": 23}
